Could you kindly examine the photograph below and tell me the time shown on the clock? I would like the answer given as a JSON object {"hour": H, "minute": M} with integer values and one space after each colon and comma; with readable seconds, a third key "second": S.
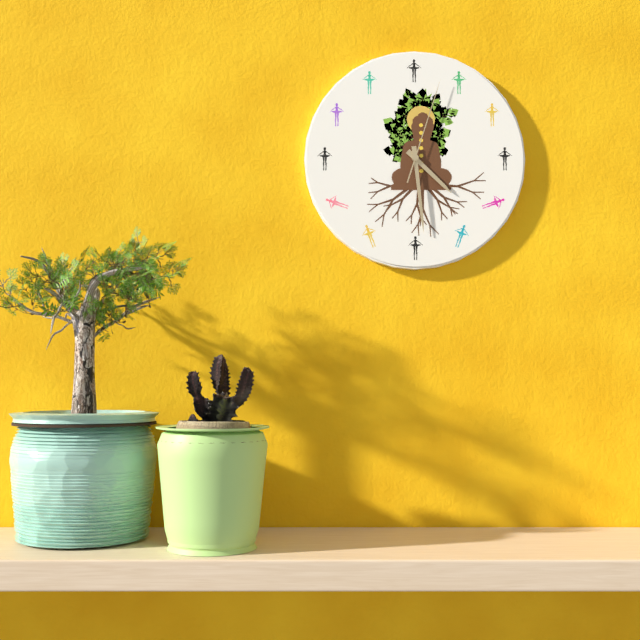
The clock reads {"hour": 4, "minute": 29, "second": 3}
